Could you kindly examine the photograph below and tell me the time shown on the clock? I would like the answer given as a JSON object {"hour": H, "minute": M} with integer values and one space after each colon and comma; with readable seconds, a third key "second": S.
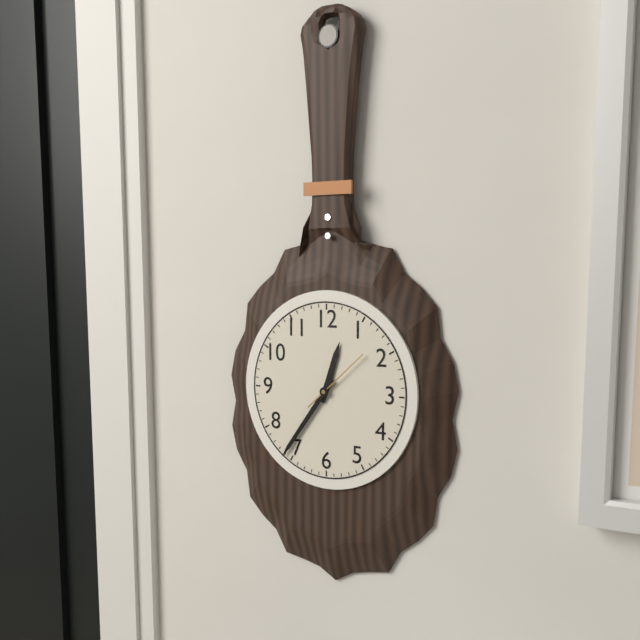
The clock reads {"hour": 12, "minute": 36, "second": 8}
